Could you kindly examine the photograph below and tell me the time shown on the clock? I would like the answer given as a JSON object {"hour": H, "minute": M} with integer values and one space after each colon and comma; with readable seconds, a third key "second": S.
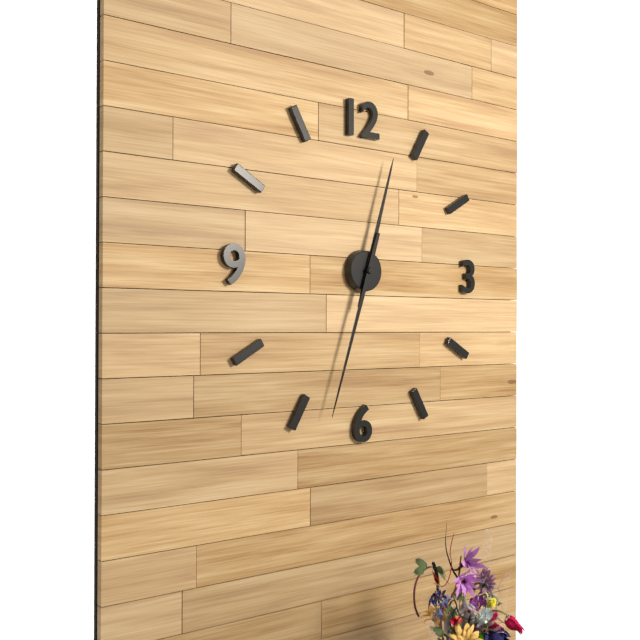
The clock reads {"hour": 12, "minute": 33}
